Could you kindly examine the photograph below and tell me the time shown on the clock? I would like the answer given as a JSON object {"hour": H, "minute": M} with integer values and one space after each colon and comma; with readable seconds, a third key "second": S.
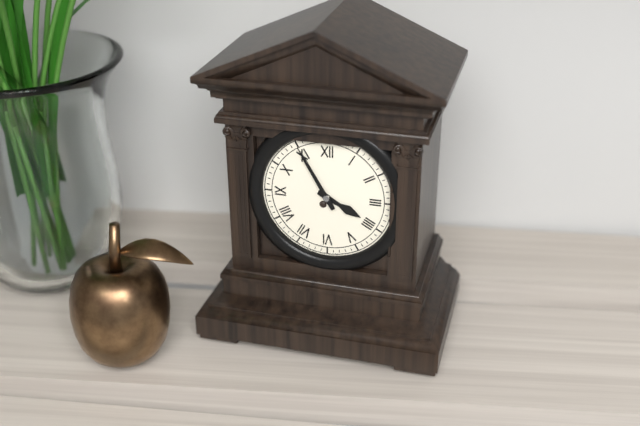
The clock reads {"hour": 3, "minute": 55}
